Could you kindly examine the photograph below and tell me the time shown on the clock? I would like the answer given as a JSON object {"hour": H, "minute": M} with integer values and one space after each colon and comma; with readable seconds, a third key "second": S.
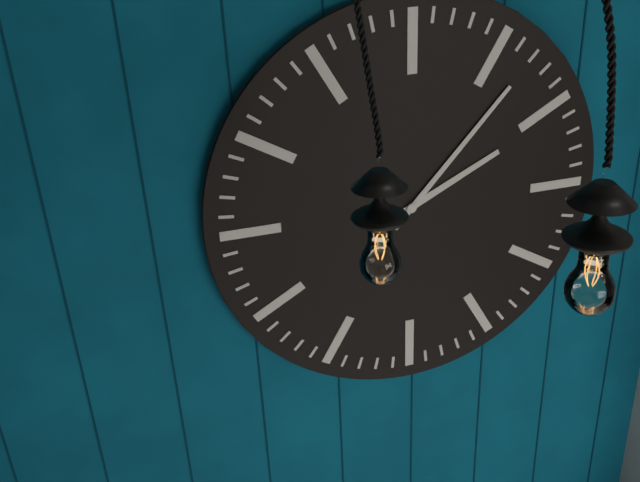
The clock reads {"hour": 2, "minute": 7}
